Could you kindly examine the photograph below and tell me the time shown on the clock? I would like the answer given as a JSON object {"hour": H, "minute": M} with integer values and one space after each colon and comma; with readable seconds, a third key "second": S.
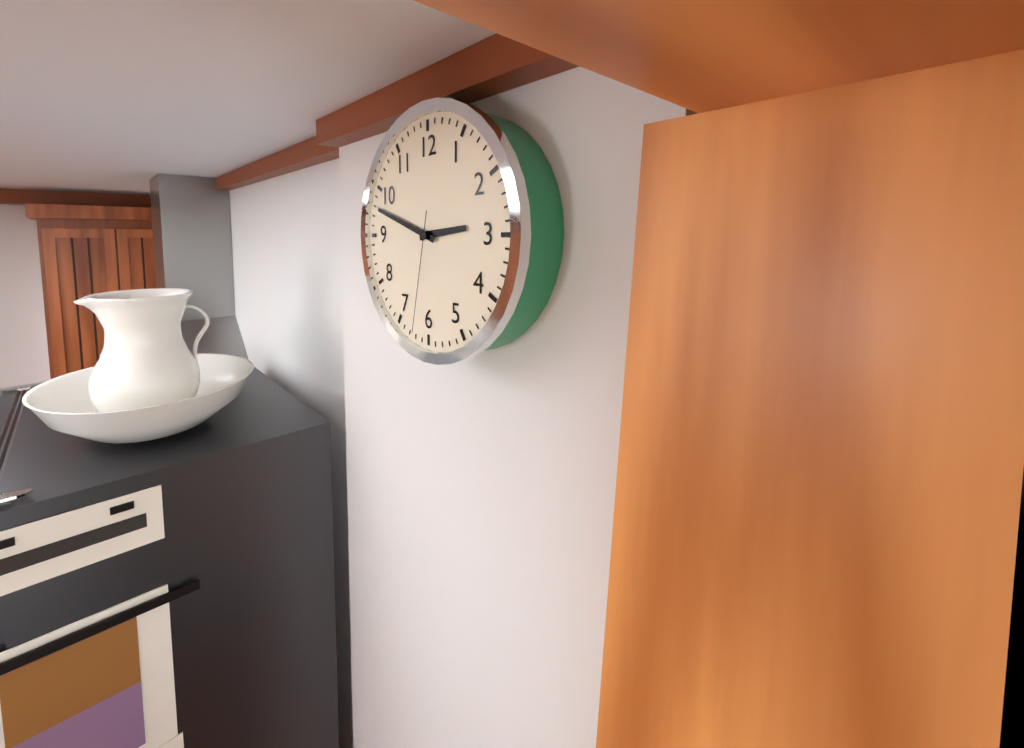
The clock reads {"hour": 2, "minute": 48, "second": 32}
